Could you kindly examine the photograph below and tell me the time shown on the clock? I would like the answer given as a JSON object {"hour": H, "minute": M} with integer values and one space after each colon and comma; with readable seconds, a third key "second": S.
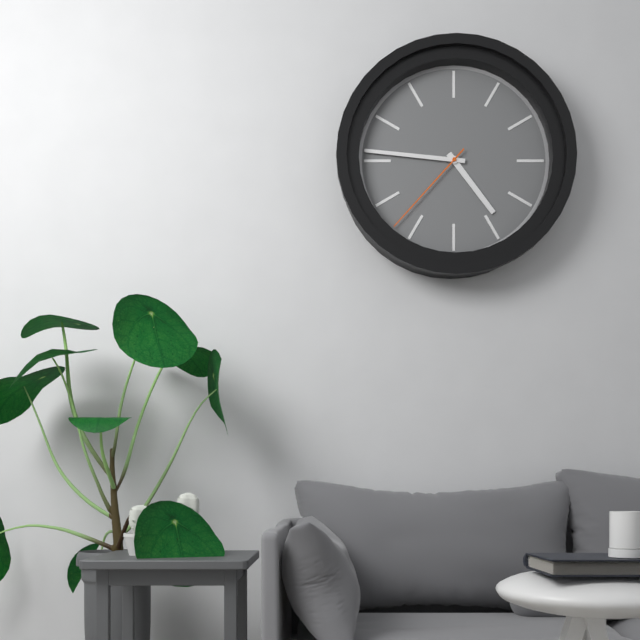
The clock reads {"hour": 4, "minute": 46, "second": 37}
